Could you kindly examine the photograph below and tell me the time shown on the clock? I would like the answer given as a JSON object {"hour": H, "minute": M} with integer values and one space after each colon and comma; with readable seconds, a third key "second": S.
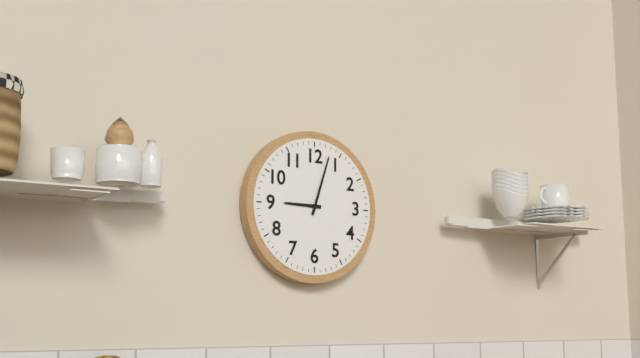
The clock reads {"hour": 9, "minute": 3}
